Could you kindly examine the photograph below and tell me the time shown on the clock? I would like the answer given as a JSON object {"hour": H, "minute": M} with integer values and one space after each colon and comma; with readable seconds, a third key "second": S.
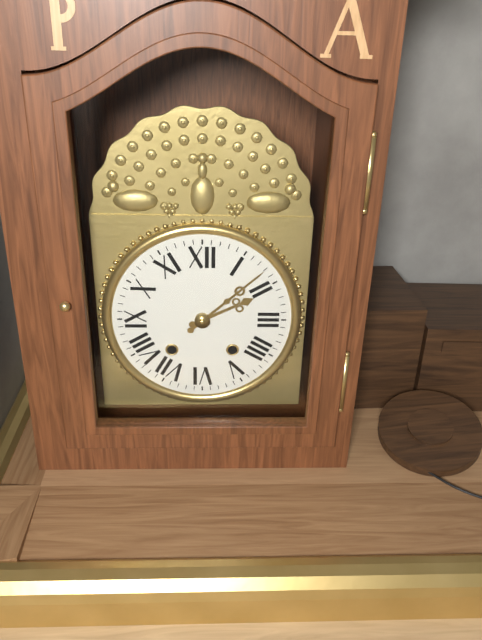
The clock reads {"hour": 2, "minute": 8}
